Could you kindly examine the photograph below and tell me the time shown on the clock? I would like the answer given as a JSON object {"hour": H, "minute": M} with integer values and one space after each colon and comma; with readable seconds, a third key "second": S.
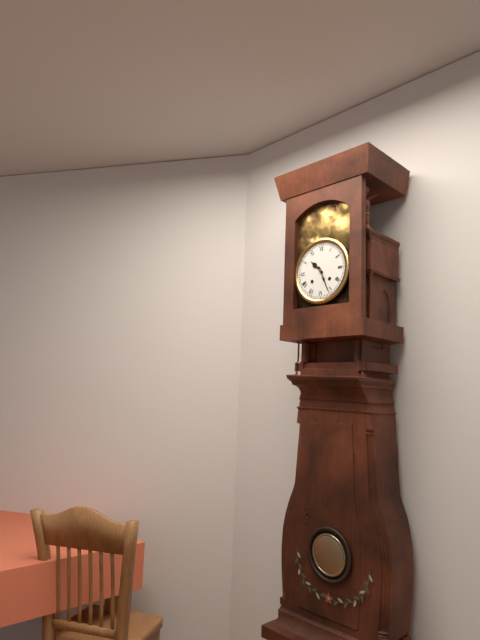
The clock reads {"hour": 10, "minute": 26}
